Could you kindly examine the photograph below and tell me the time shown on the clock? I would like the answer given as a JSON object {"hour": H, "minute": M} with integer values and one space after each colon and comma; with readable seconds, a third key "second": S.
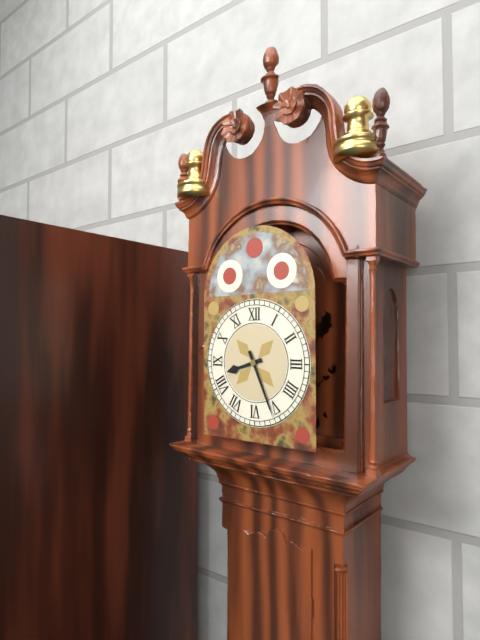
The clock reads {"hour": 8, "minute": 26}
